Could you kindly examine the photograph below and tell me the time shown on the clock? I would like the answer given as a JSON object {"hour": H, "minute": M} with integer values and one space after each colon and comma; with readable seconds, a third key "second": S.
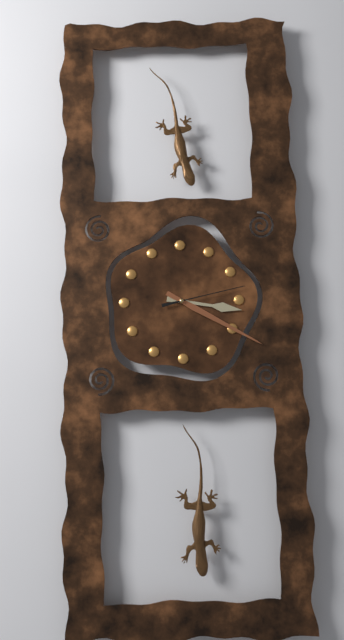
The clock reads {"hour": 3, "minute": 20, "second": 13}
